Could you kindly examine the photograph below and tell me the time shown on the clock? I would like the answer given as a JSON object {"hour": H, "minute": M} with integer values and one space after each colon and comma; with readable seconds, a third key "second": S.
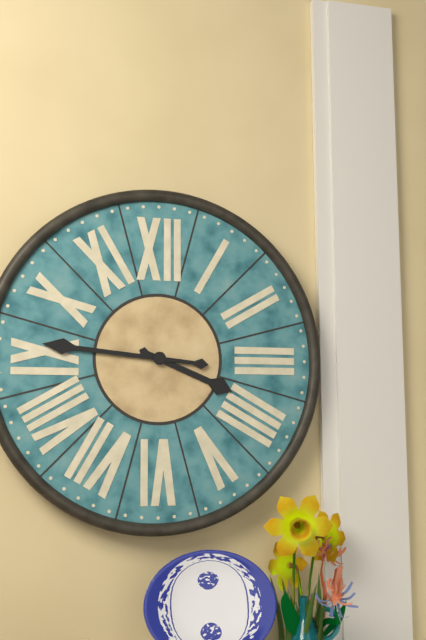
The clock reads {"hour": 3, "minute": 46}
